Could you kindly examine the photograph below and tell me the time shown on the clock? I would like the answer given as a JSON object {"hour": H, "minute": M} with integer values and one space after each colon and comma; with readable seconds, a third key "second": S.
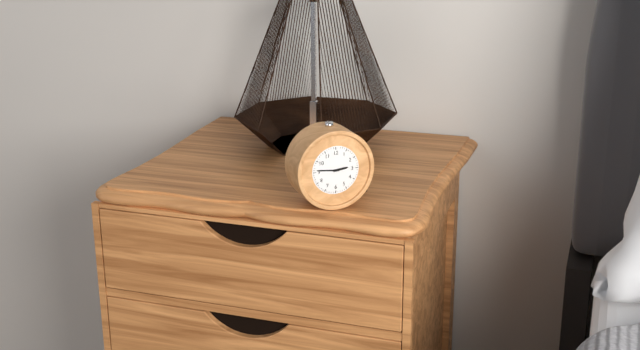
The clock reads {"hour": 2, "minute": 46}
